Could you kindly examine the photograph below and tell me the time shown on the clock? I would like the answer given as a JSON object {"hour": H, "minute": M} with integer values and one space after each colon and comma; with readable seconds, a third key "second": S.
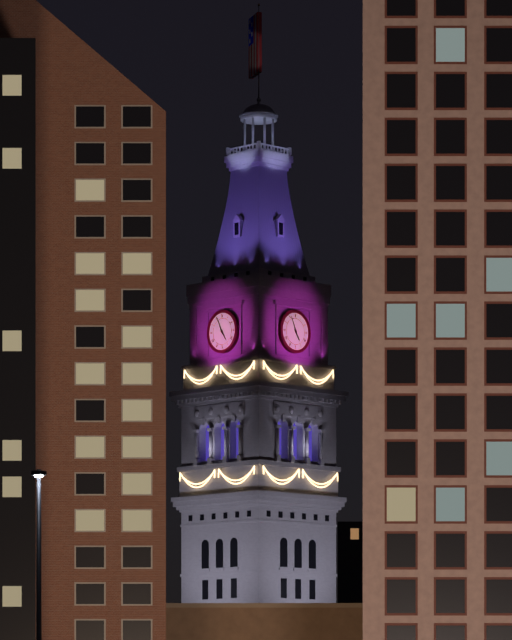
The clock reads {"hour": 4, "minute": 56}
